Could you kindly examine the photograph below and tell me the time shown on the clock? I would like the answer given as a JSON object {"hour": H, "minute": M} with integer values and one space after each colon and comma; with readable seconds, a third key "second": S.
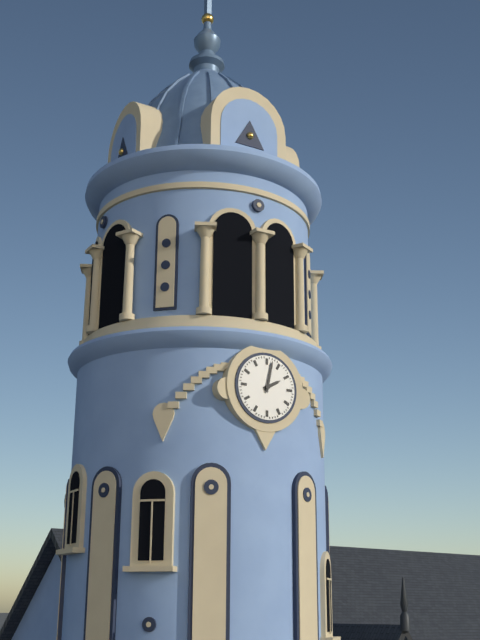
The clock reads {"hour": 2, "minute": 2}
